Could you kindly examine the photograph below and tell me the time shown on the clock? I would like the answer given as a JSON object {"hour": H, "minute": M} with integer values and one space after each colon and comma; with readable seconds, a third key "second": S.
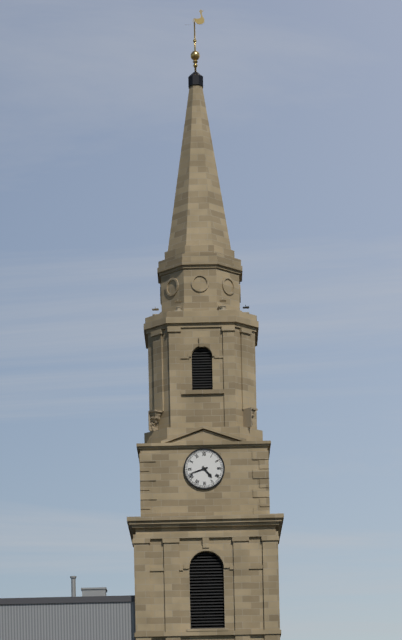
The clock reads {"hour": 4, "minute": 42}
